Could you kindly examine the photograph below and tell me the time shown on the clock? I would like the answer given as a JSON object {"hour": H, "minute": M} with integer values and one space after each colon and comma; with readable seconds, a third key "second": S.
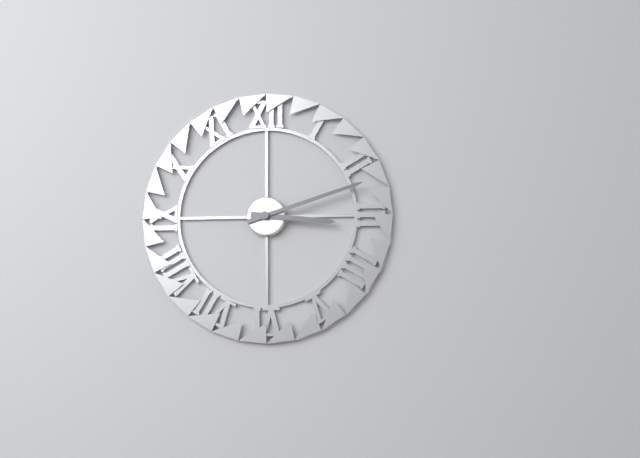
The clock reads {"hour": 3, "minute": 12}
